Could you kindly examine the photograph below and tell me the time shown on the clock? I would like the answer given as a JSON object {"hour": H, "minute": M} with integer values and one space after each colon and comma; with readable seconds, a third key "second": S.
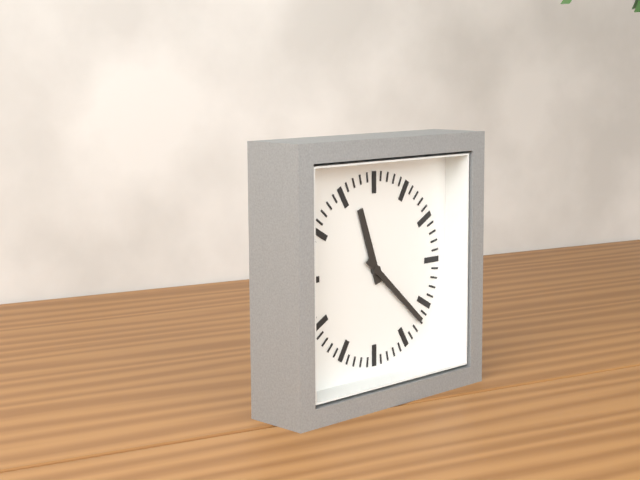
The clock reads {"hour": 11, "minute": 22}
